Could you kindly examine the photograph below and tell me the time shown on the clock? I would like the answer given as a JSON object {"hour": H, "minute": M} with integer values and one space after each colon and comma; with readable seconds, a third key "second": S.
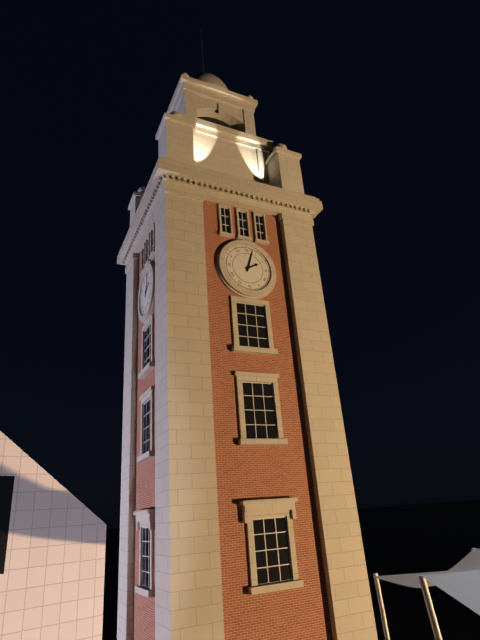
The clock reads {"hour": 2, "minute": 3}
